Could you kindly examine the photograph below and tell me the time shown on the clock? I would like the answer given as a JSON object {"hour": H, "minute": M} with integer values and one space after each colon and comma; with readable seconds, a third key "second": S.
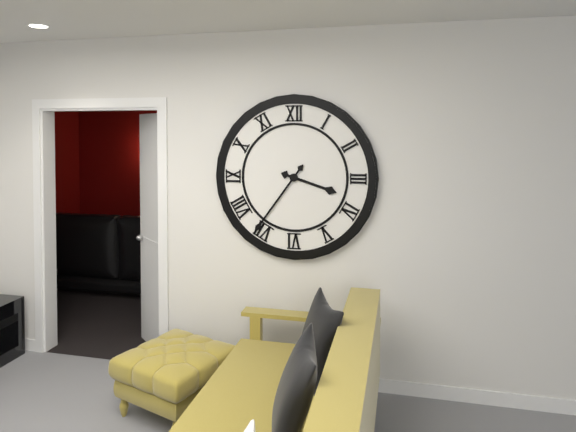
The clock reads {"hour": 3, "minute": 36}
